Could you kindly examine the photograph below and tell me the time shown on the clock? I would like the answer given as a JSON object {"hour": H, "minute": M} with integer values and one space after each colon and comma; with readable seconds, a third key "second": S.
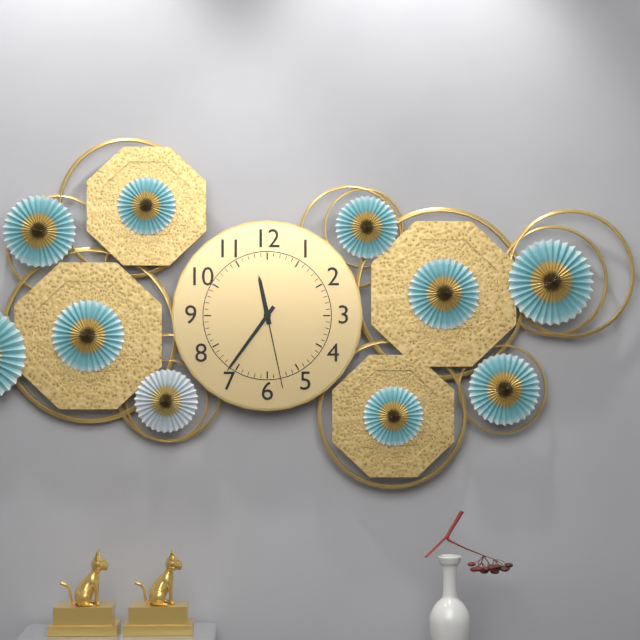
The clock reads {"hour": 11, "minute": 36, "second": 28}
